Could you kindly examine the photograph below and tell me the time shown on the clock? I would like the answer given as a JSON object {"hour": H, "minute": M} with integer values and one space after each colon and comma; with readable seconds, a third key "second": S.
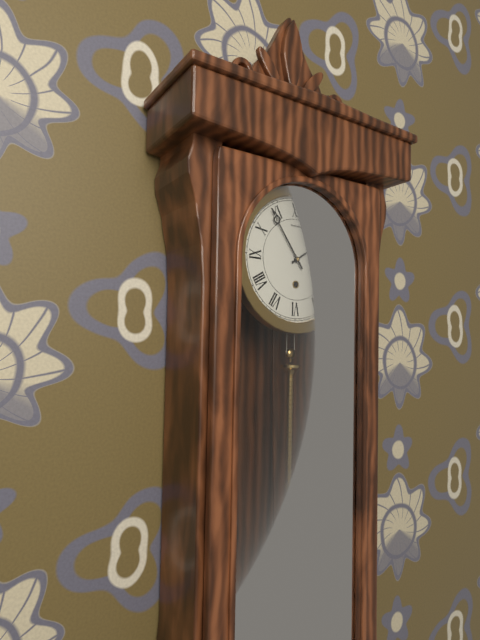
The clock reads {"hour": 1, "minute": 54}
